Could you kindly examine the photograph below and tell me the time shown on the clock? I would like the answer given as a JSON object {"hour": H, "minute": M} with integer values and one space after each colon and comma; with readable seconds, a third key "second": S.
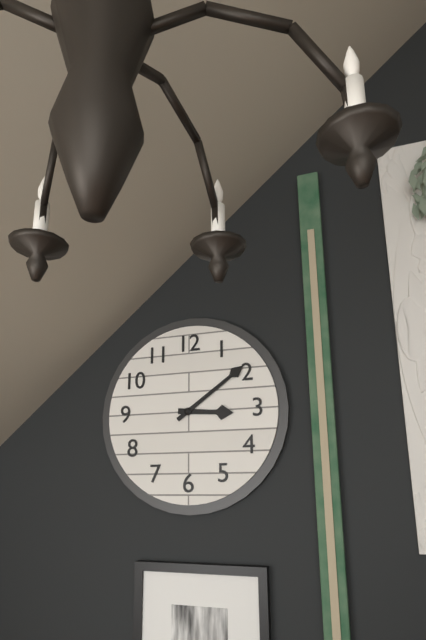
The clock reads {"hour": 3, "minute": 9}
